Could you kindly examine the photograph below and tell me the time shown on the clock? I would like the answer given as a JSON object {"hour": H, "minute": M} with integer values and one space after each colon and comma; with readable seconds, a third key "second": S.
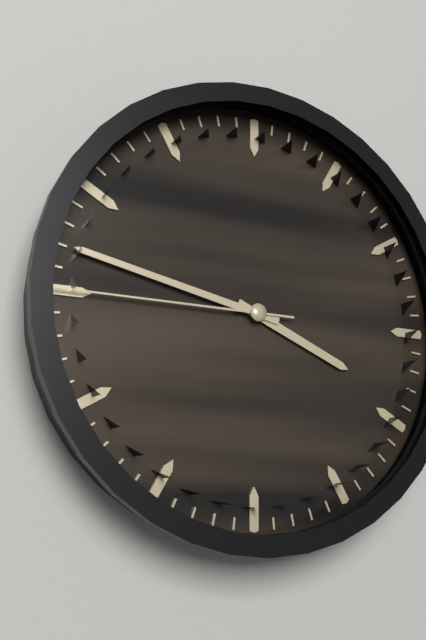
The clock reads {"hour": 3, "minute": 47, "second": 45}
